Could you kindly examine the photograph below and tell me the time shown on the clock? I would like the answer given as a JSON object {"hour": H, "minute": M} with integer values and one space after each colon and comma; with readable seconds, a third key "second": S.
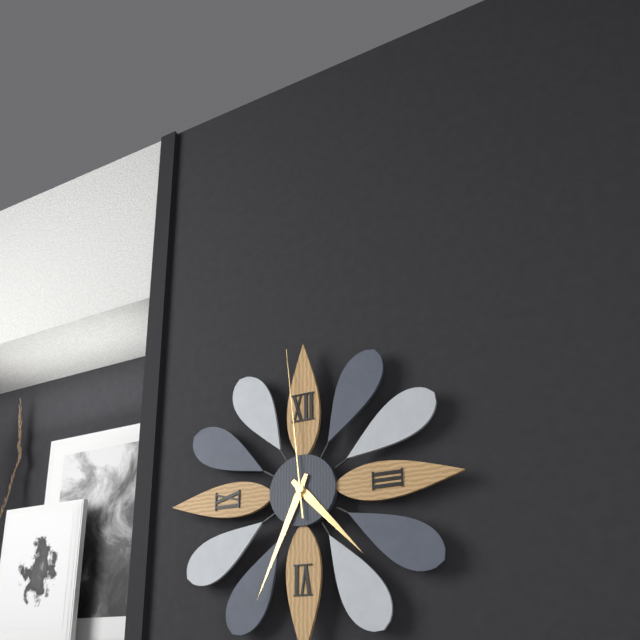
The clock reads {"hour": 4, "minute": 34, "second": 59}
